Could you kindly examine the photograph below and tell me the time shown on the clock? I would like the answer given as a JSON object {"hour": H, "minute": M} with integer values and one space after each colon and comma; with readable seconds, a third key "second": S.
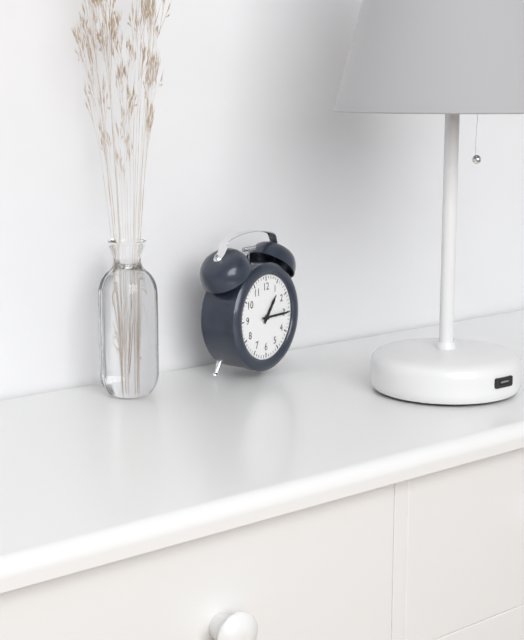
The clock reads {"hour": 1, "minute": 15}
